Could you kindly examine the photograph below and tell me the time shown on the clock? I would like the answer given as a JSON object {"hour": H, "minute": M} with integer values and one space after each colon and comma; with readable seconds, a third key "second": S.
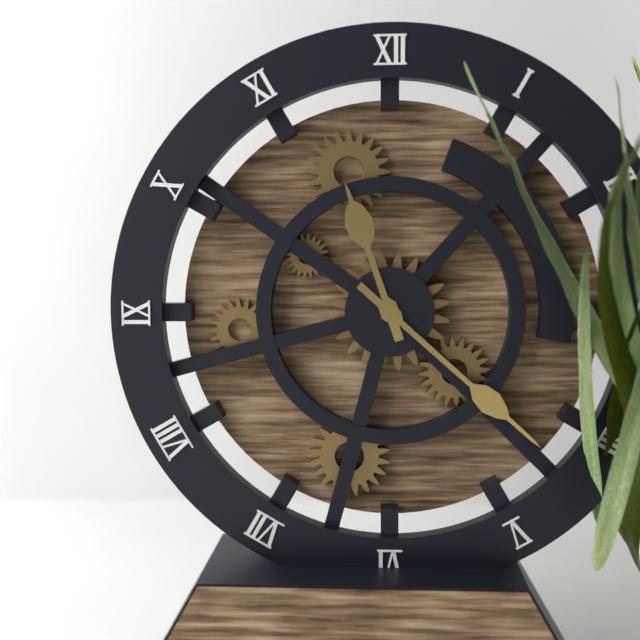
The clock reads {"hour": 11, "minute": 22}
